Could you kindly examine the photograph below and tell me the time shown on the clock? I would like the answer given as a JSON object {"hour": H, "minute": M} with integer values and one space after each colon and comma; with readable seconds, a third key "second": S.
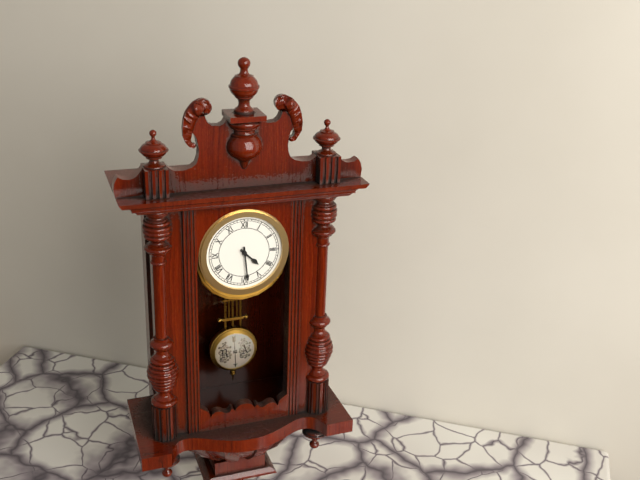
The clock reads {"hour": 4, "minute": 29}
